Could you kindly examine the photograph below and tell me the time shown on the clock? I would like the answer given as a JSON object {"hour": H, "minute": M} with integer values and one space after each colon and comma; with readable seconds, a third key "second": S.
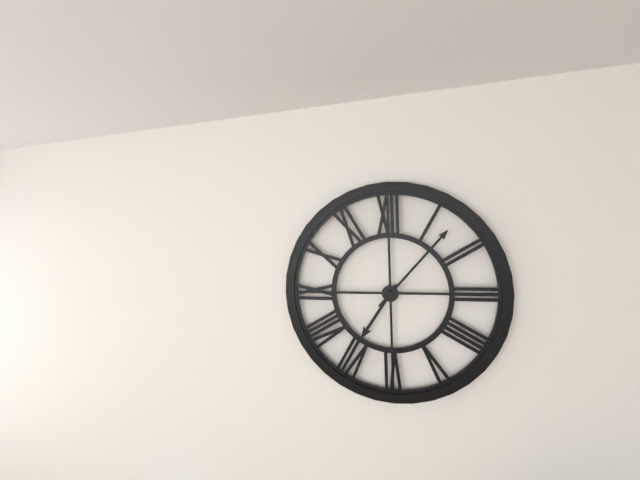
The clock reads {"hour": 7, "minute": 7}
